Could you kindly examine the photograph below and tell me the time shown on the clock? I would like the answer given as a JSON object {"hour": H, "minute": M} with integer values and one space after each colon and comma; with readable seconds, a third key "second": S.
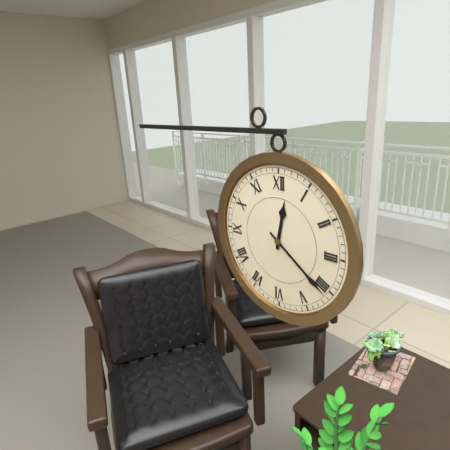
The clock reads {"hour": 12, "minute": 21}
